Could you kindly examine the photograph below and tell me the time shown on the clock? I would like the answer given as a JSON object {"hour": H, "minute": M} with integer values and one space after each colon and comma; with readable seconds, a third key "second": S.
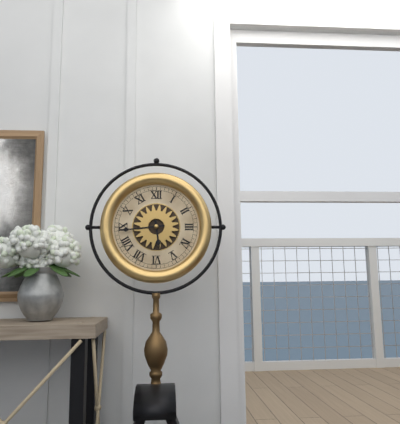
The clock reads {"hour": 5, "minute": 44}
